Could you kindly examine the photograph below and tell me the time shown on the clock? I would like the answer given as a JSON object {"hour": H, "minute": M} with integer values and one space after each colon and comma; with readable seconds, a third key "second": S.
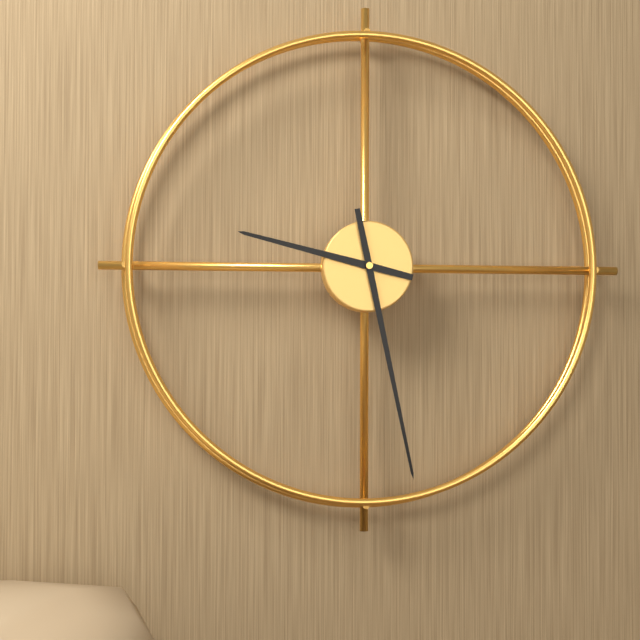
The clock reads {"hour": 9, "minute": 28}
